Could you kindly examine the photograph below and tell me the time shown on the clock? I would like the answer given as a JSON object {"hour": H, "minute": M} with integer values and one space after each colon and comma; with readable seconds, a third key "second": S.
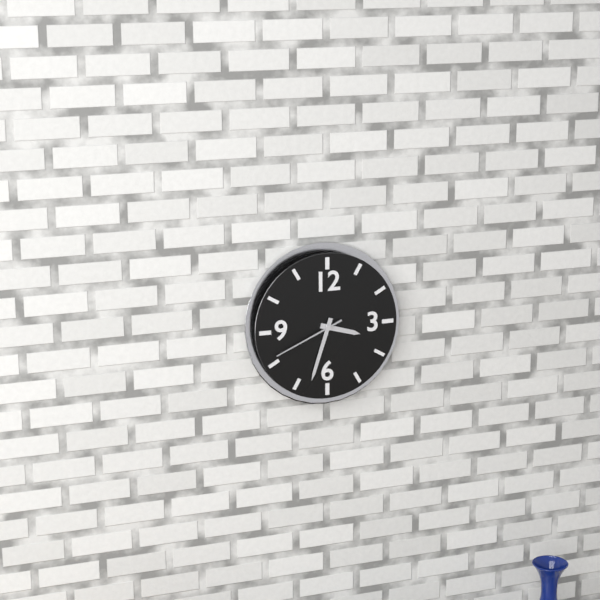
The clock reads {"hour": 3, "minute": 33, "second": 41}
